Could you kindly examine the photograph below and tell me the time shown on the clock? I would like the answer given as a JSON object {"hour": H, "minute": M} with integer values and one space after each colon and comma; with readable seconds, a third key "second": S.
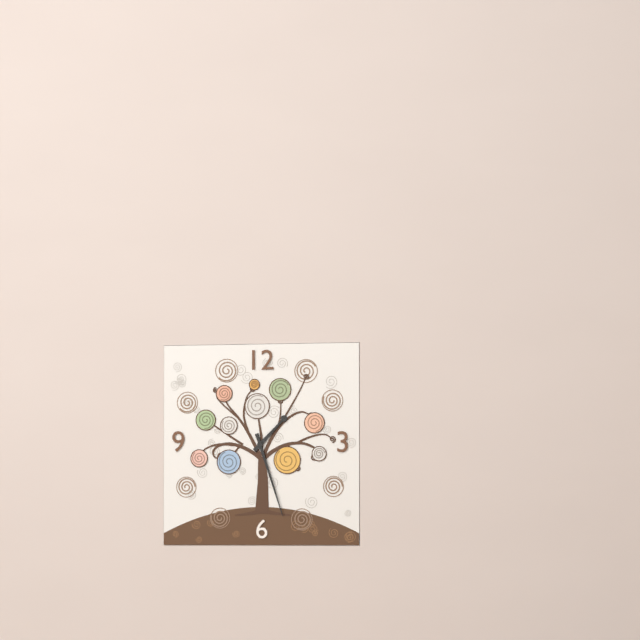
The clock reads {"hour": 1, "minute": 27}
